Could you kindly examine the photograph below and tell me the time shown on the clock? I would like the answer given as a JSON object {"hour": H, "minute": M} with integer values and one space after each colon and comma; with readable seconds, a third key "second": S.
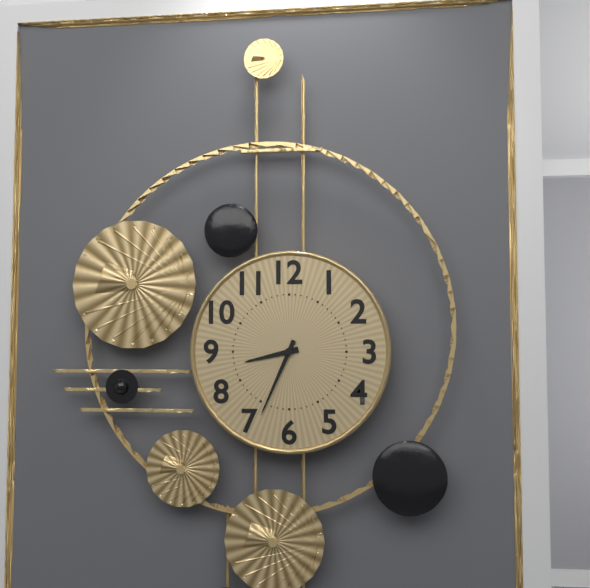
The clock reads {"hour": 8, "minute": 34}
